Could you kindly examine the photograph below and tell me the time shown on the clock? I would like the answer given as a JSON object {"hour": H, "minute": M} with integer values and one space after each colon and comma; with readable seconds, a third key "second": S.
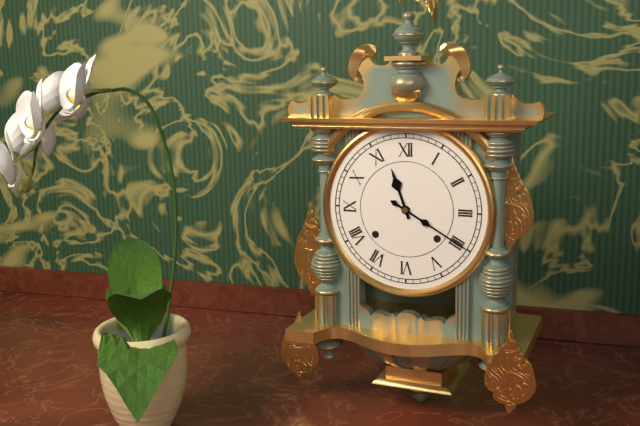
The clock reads {"hour": 11, "minute": 20}
